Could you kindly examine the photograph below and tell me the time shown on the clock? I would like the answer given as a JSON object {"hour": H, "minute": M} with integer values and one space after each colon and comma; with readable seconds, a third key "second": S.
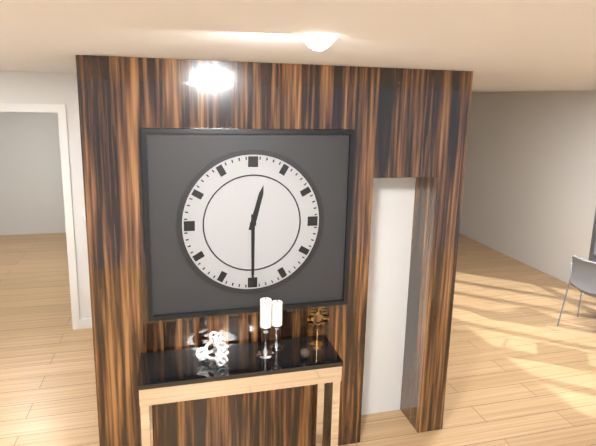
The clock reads {"hour": 12, "minute": 30}
